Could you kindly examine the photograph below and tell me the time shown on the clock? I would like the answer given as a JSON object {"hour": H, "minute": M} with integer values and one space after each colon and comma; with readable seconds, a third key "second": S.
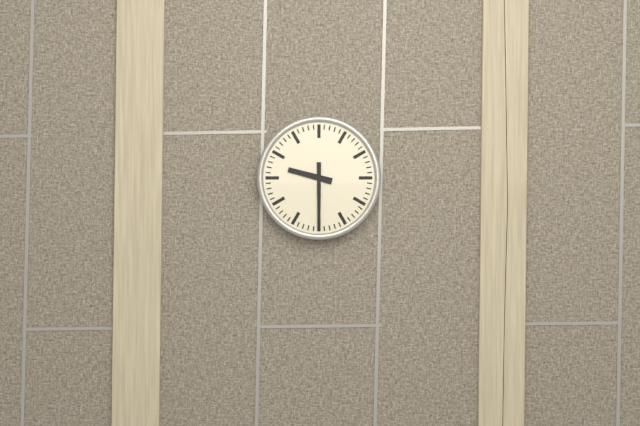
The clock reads {"hour": 9, "minute": 30}
